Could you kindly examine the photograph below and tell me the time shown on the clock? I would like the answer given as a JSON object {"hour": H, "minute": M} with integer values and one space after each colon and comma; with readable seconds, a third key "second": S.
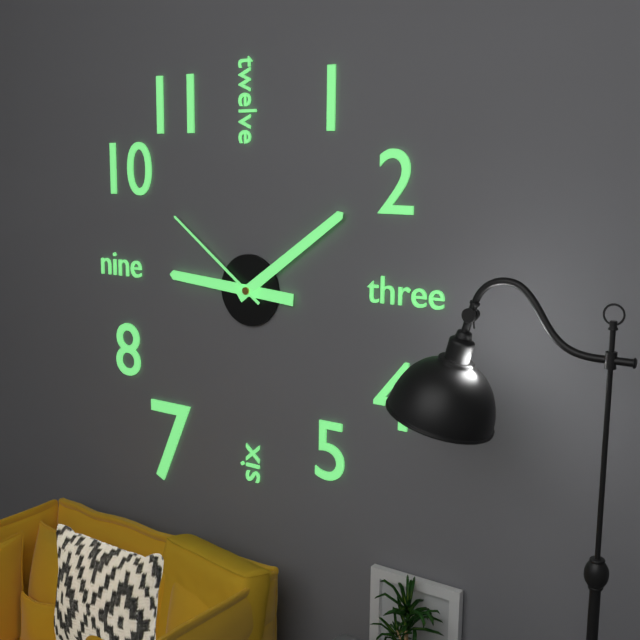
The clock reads {"hour": 9, "minute": 9, "second": 51}
